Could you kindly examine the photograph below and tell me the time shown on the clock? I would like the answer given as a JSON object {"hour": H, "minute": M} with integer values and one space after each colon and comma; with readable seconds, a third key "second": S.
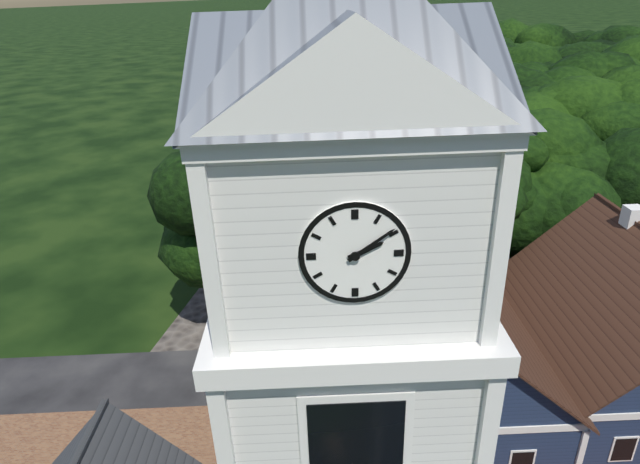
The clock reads {"hour": 2, "minute": 9}
